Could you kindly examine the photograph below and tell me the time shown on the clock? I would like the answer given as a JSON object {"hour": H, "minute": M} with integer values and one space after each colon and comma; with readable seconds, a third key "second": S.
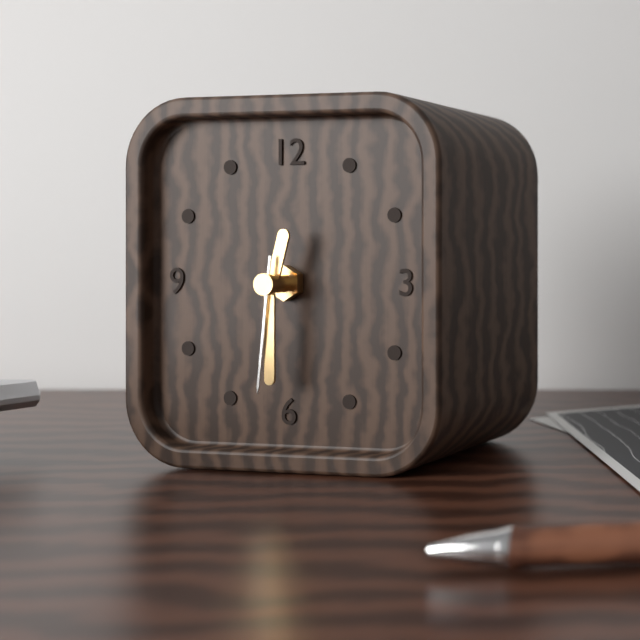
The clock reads {"hour": 12, "minute": 30, "second": 31}
